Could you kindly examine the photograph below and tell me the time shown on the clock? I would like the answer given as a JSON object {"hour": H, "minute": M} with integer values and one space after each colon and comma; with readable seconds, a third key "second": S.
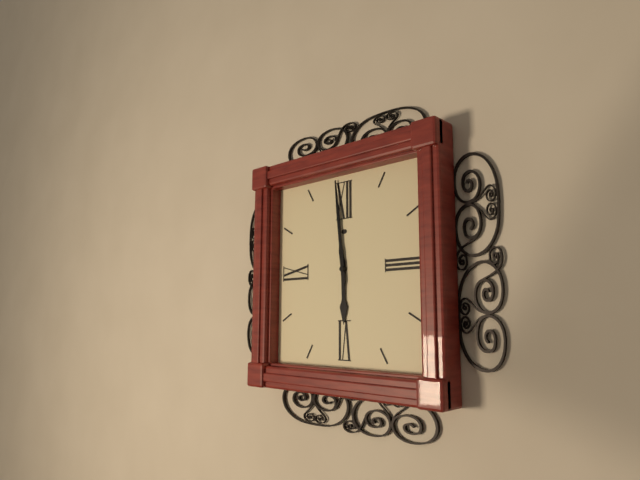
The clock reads {"hour": 5, "minute": 59}
